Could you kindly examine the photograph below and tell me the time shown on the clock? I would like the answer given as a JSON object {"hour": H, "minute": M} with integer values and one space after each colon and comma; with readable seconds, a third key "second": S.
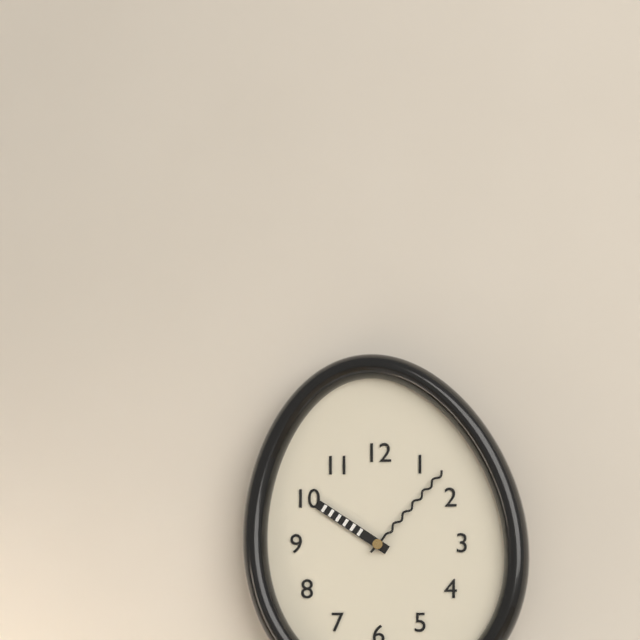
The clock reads {"hour": 10, "minute": 7}
